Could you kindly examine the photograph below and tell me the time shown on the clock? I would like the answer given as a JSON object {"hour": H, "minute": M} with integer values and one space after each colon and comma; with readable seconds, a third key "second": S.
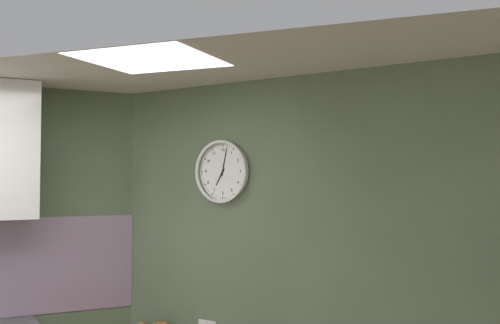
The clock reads {"hour": 7, "minute": 2}
